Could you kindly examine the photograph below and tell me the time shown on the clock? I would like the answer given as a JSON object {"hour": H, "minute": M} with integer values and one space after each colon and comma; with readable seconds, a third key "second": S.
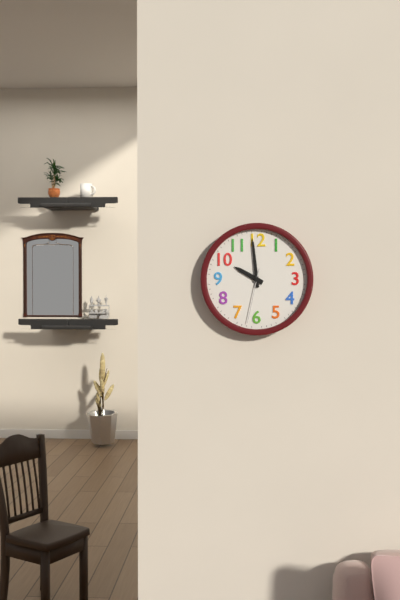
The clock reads {"hour": 9, "minute": 59, "second": 32}
